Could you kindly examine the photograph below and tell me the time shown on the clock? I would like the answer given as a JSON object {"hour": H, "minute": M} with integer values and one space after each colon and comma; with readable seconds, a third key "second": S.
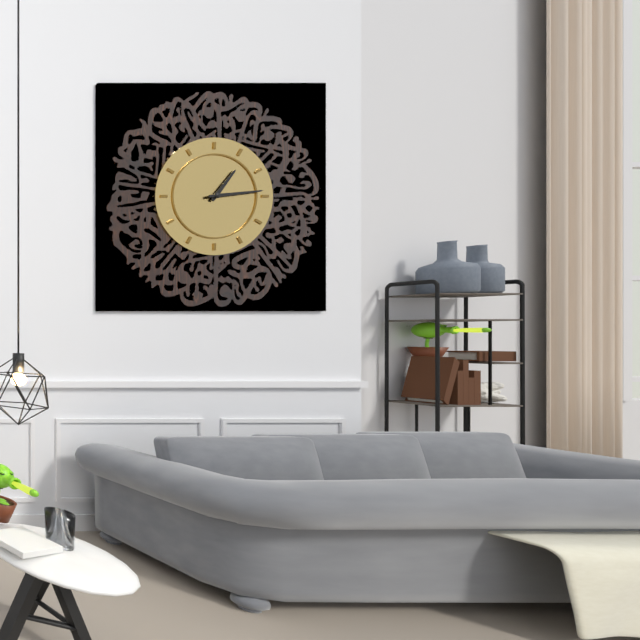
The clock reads {"hour": 1, "minute": 14}
